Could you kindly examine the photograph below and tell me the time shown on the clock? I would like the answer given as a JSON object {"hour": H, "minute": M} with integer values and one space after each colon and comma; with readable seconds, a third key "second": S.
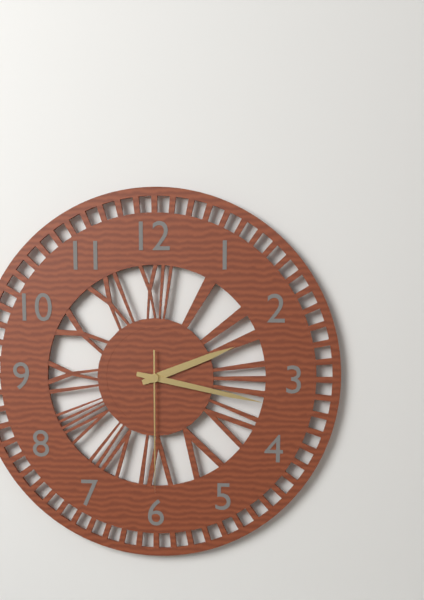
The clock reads {"hour": 2, "minute": 17, "second": 30}
